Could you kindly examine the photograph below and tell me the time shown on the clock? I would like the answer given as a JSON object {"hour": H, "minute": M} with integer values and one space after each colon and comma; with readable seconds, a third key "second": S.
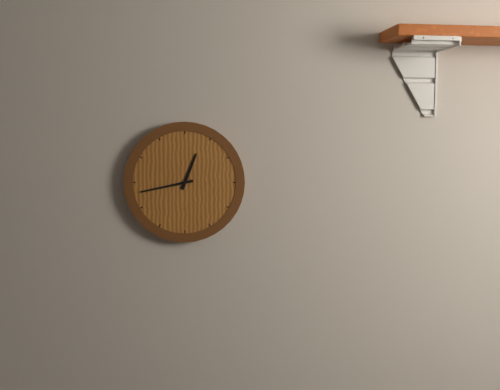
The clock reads {"hour": 12, "minute": 43}
